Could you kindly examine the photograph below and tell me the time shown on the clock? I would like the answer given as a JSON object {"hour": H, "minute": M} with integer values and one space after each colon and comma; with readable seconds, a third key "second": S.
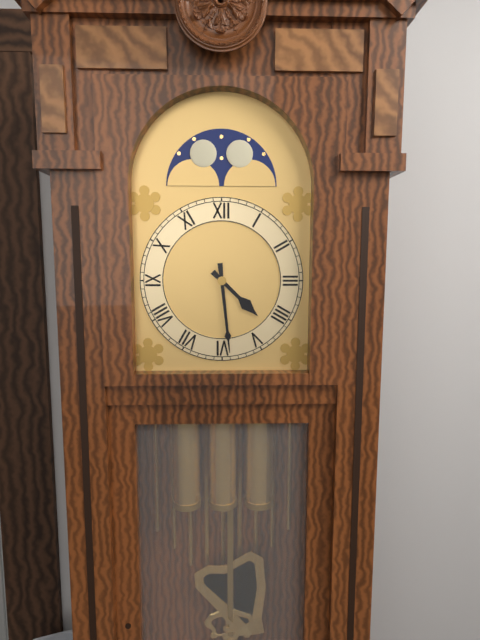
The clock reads {"hour": 4, "minute": 29}
